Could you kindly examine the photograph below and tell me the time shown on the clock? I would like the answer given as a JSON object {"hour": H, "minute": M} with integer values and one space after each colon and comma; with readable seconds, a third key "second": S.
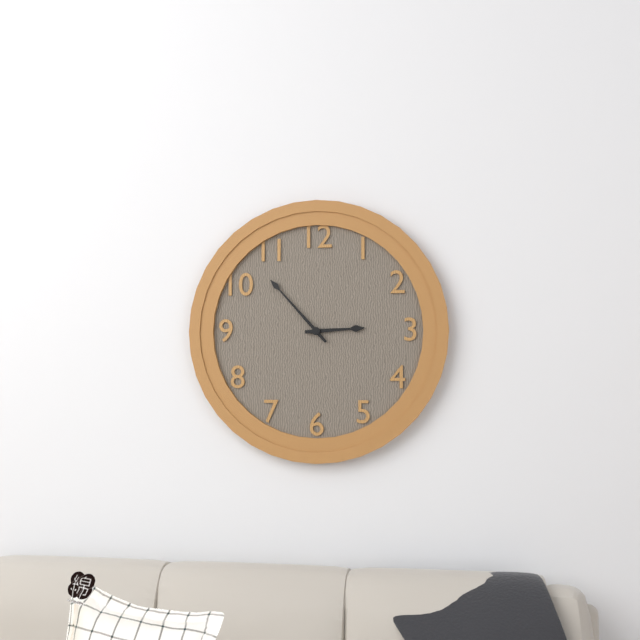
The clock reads {"hour": 2, "minute": 53}
